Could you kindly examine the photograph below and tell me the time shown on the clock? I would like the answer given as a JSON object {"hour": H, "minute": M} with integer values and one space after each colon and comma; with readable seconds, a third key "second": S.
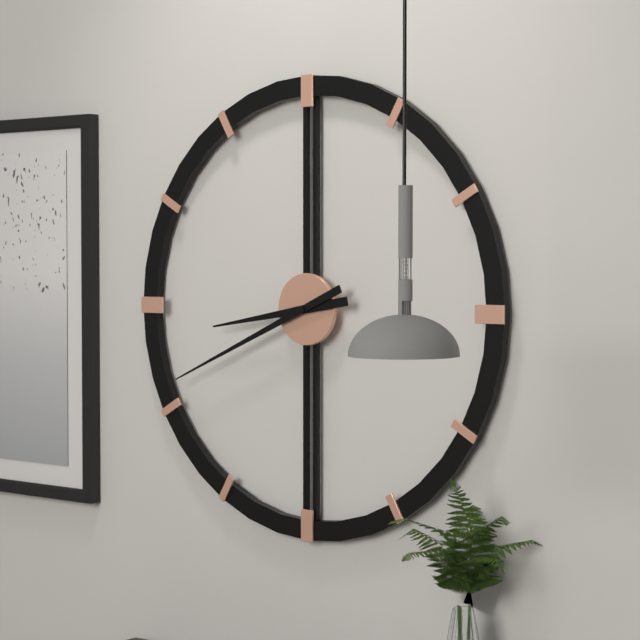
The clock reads {"hour": 8, "minute": 41}
